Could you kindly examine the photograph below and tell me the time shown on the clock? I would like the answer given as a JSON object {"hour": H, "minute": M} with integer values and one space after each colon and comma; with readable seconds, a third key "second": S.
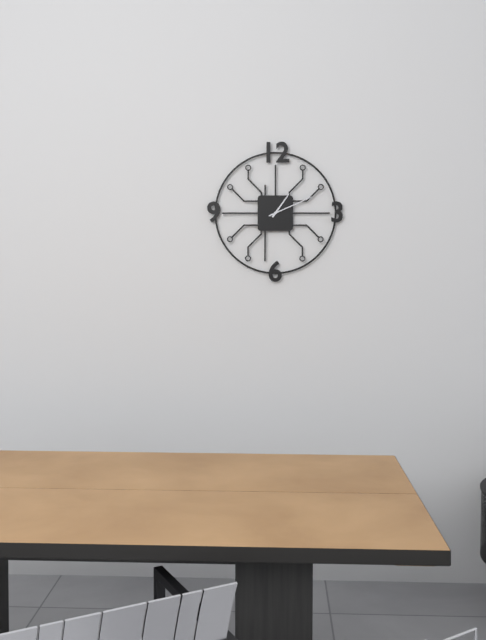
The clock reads {"hour": 1, "minute": 11}
